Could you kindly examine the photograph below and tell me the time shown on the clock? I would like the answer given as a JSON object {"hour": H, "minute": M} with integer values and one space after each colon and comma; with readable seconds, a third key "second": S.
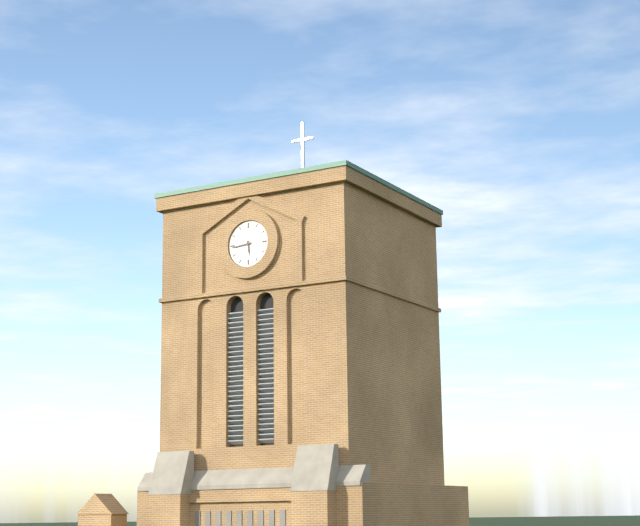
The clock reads {"hour": 5, "minute": 44}
